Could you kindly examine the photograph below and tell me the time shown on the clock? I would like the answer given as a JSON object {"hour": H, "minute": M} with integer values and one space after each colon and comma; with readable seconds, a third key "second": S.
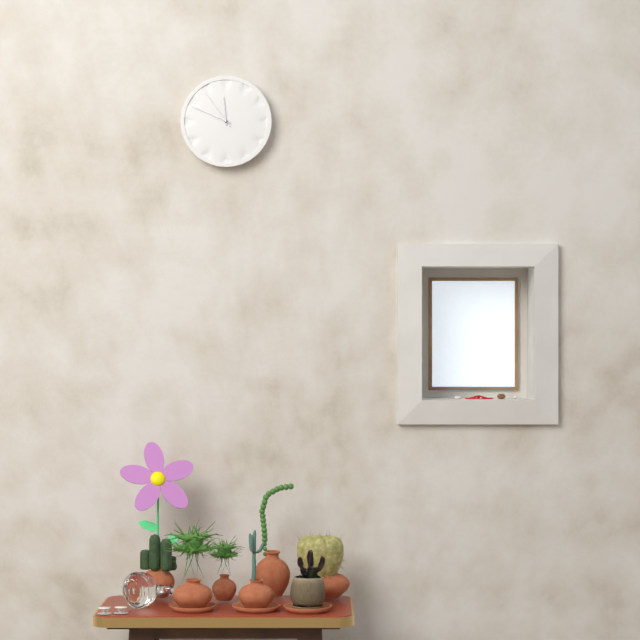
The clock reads {"hour": 11, "minute": 49}
